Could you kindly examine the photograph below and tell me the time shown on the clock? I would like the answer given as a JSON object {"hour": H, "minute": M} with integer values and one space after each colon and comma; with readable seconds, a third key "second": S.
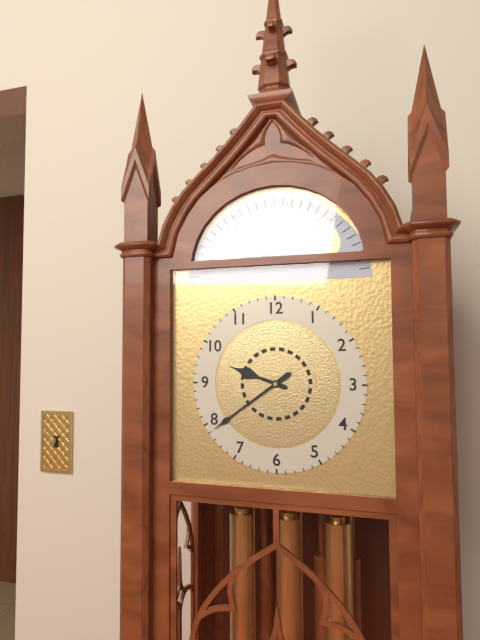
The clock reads {"hour": 9, "minute": 39}
